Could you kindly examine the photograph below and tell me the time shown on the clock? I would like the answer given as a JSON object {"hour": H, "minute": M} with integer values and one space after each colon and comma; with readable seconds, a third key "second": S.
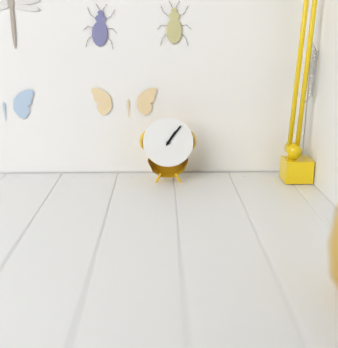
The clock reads {"hour": 1, "minute": 6}
